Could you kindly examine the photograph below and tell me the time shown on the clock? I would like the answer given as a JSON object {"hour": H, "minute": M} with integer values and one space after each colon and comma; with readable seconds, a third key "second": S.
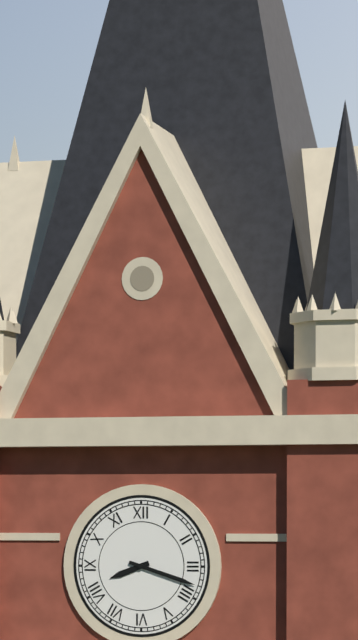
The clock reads {"hour": 8, "minute": 18}
